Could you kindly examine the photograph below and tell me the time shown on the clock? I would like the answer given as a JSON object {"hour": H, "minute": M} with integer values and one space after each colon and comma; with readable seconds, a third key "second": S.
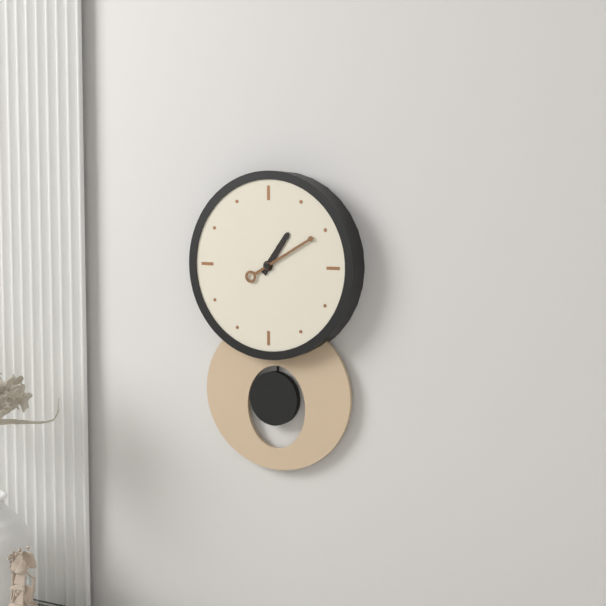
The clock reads {"hour": 1, "minute": 10}
